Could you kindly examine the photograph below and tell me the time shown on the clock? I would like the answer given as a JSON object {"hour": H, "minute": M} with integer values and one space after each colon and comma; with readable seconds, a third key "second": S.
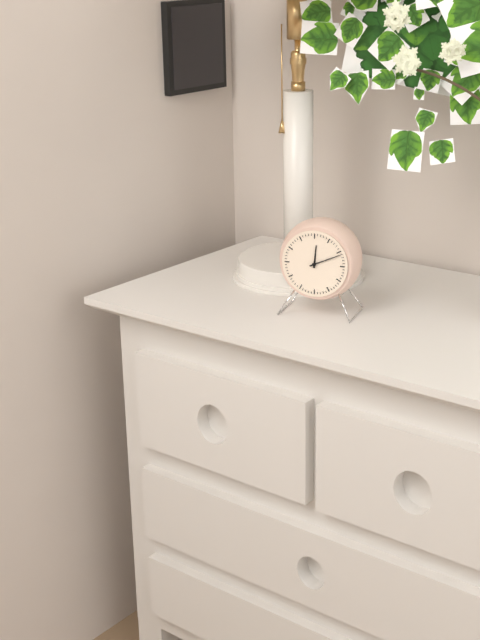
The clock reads {"hour": 12, "minute": 11}
